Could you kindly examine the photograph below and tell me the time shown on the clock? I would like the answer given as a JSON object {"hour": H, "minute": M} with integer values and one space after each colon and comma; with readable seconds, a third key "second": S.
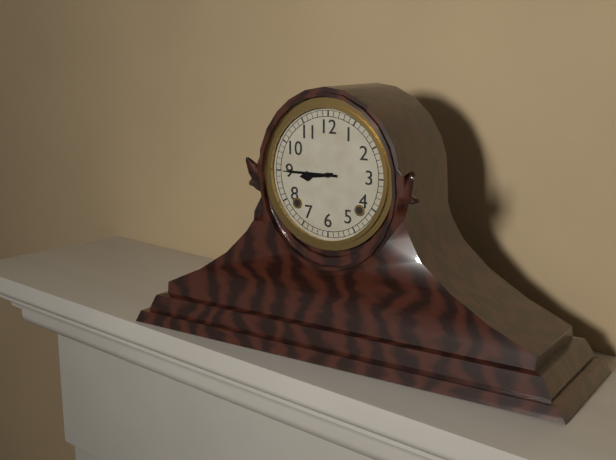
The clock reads {"hour": 8, "minute": 45}
